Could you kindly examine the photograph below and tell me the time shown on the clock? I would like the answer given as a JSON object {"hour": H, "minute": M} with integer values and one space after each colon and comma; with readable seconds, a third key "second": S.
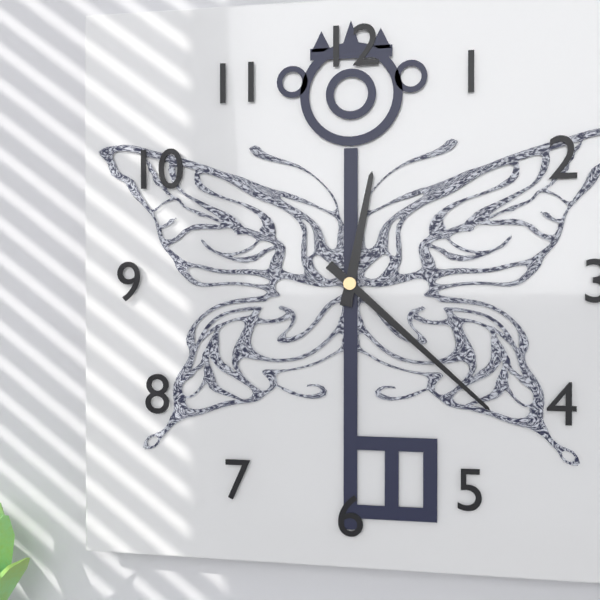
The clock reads {"hour": 12, "minute": 22}
